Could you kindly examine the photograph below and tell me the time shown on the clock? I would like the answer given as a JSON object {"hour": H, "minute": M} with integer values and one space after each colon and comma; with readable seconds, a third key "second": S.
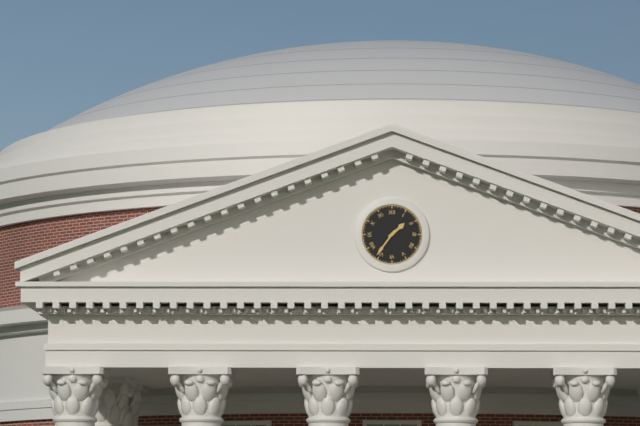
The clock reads {"hour": 1, "minute": 36}
